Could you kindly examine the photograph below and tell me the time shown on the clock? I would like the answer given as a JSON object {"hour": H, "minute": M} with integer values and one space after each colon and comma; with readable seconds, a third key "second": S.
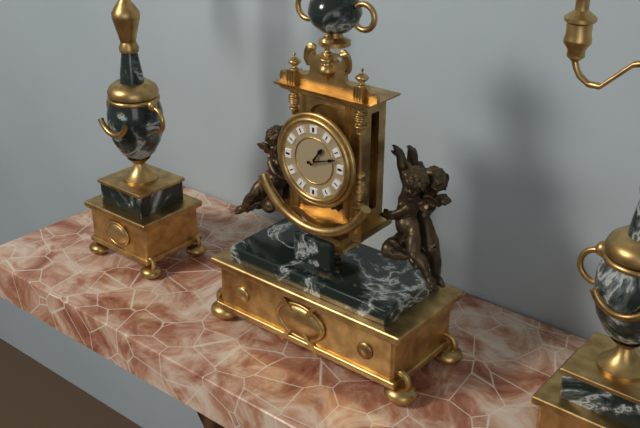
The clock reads {"hour": 1, "minute": 12}
